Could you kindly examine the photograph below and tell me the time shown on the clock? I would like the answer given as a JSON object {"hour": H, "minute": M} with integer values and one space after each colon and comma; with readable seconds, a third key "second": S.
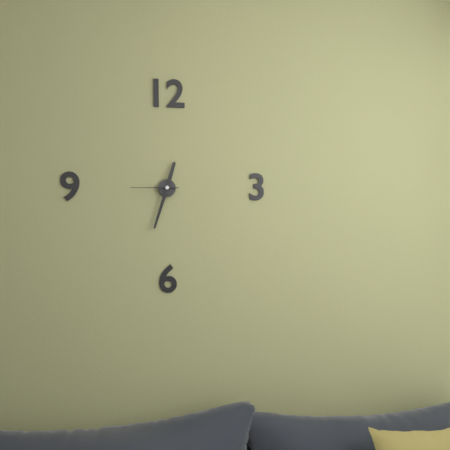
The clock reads {"hour": 12, "minute": 33}
